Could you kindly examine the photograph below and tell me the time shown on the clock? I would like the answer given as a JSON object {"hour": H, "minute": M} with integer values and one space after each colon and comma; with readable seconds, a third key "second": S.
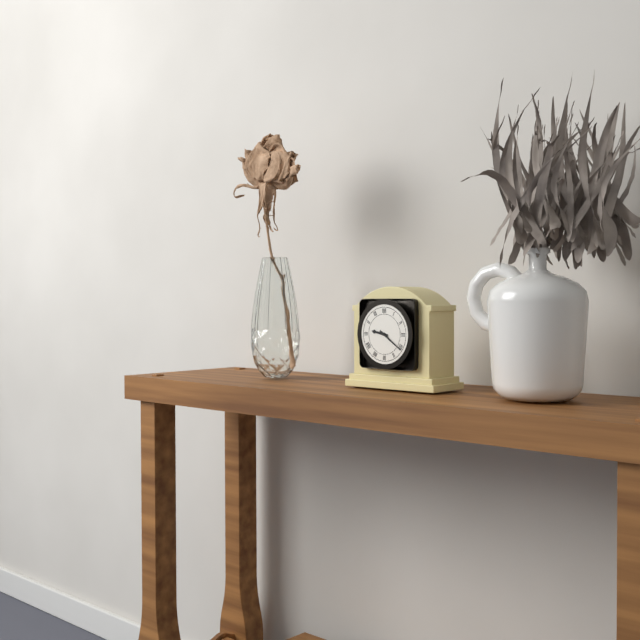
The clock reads {"hour": 9, "minute": 21}
